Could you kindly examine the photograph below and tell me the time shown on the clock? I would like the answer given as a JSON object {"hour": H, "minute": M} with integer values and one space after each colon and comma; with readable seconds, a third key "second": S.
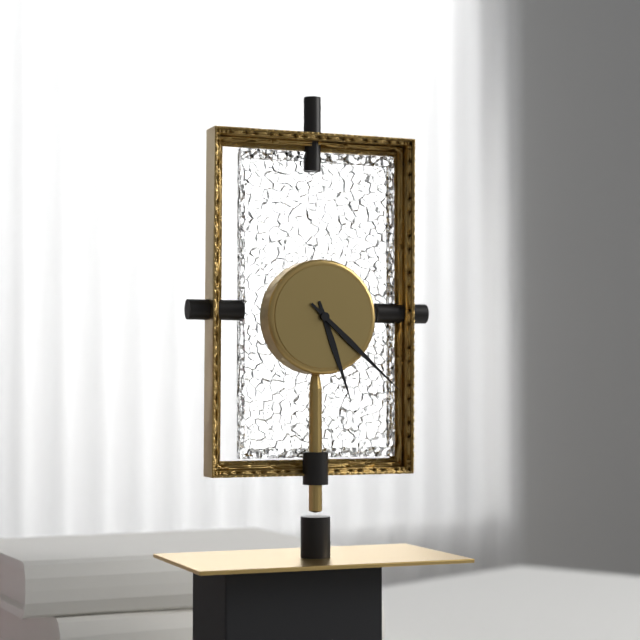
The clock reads {"hour": 5, "minute": 22}
